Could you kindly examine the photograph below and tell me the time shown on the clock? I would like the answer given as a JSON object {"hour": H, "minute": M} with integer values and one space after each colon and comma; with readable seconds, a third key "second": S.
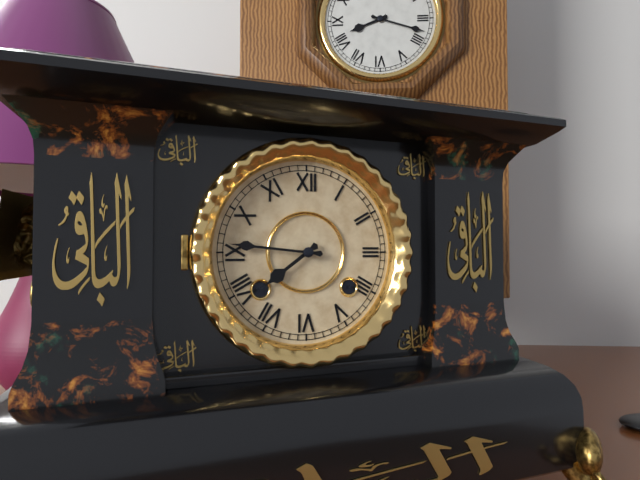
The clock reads {"hour": 7, "minute": 46}
